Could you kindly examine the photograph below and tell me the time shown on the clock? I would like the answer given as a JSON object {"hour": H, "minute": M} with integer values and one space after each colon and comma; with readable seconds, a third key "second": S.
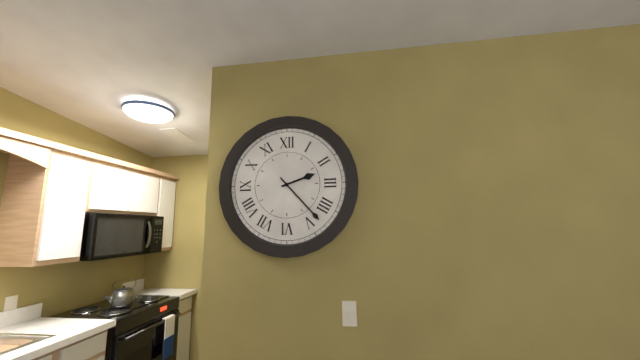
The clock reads {"hour": 2, "minute": 23}
